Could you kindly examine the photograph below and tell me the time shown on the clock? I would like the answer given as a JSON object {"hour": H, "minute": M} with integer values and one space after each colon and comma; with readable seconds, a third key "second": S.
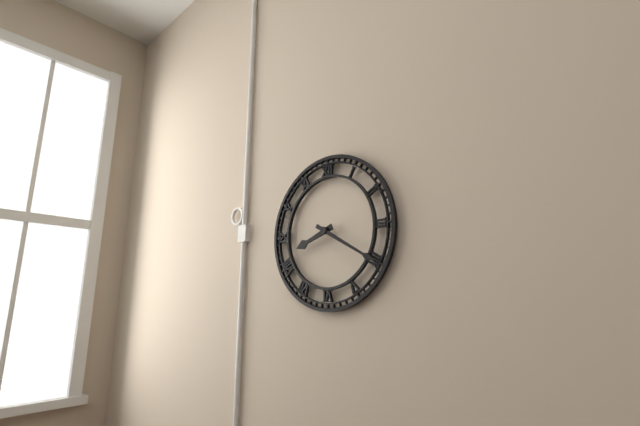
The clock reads {"hour": 8, "minute": 20}
